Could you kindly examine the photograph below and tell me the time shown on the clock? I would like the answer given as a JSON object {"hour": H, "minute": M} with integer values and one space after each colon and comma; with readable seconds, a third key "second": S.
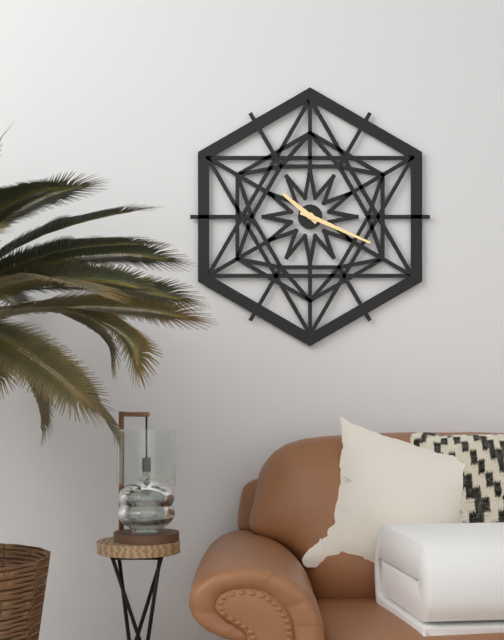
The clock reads {"hour": 10, "minute": 19}
